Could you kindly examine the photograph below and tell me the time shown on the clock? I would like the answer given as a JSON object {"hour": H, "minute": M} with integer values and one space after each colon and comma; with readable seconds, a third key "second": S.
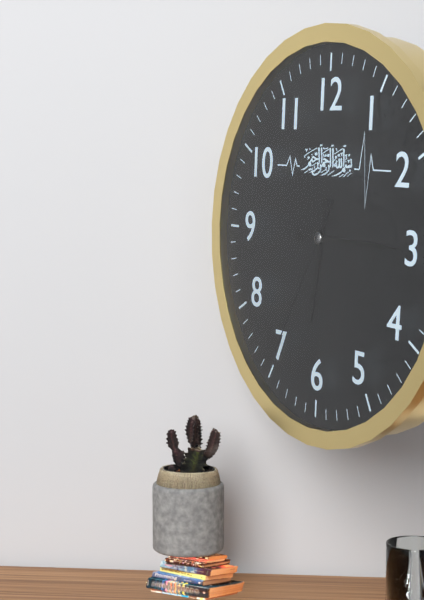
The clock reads {"hour": 6, "minute": 15, "second": 35}
